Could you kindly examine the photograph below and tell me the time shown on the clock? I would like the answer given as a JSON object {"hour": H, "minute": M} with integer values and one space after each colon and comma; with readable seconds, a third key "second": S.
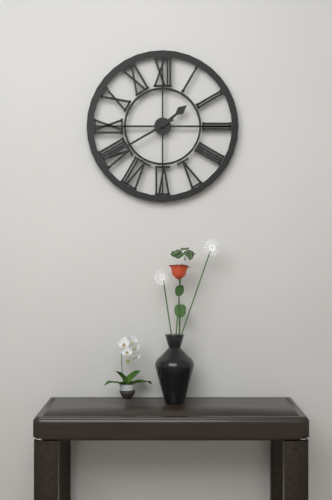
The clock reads {"hour": 1, "minute": 40}
